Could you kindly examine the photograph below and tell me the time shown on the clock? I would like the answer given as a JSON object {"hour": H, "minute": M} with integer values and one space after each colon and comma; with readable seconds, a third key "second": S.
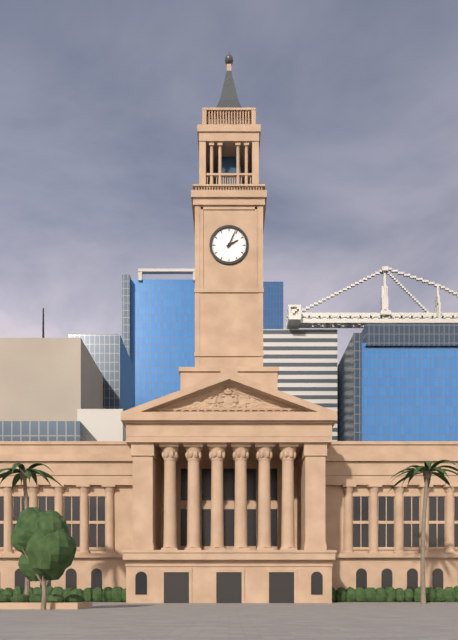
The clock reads {"hour": 2, "minute": 4}
